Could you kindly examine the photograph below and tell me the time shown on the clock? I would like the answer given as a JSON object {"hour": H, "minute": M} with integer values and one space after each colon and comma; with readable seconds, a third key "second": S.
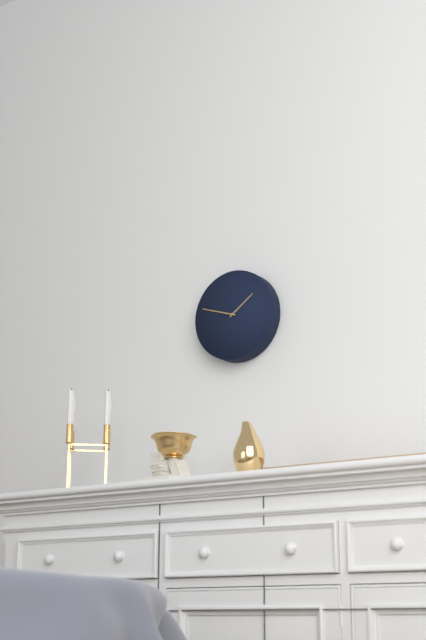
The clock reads {"hour": 1, "minute": 48}
